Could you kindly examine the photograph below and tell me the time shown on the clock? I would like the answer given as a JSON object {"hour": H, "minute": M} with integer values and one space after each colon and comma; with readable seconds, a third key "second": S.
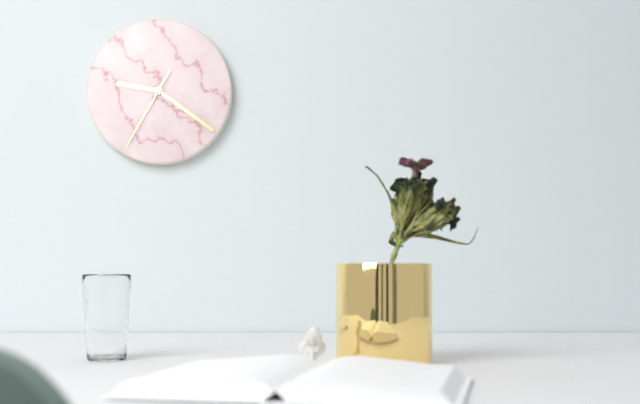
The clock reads {"hour": 9, "minute": 21, "second": 35}
